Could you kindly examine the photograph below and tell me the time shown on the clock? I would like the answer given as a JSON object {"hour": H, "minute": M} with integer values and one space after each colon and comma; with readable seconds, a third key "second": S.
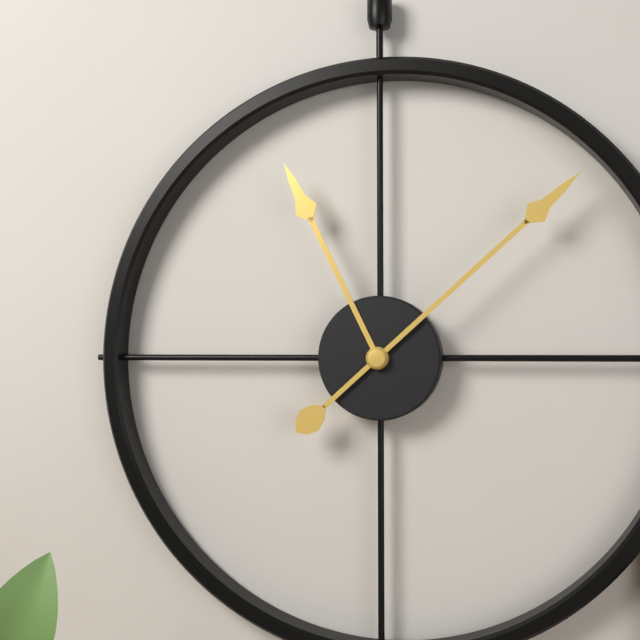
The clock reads {"hour": 11, "minute": 8}
